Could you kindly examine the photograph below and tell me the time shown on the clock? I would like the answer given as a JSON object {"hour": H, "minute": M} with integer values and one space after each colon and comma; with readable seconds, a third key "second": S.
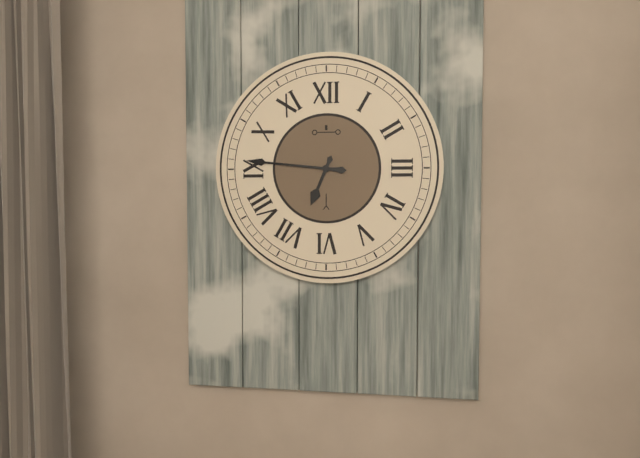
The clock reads {"hour": 6, "minute": 46}
